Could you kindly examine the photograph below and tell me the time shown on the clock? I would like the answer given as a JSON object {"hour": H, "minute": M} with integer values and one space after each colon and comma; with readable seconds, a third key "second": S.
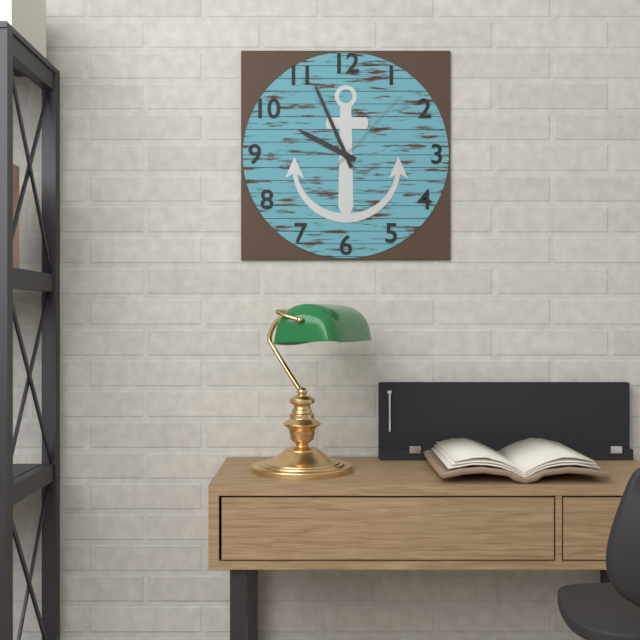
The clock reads {"hour": 9, "minute": 56, "second": 7}
